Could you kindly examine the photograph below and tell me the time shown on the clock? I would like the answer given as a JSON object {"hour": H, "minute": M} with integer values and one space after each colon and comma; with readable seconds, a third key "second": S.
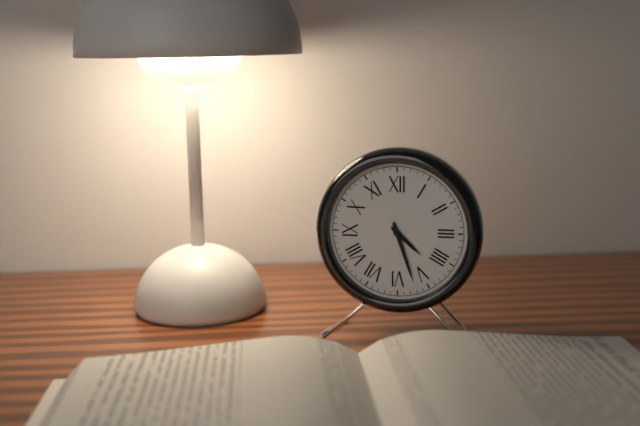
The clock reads {"hour": 4, "minute": 27}
